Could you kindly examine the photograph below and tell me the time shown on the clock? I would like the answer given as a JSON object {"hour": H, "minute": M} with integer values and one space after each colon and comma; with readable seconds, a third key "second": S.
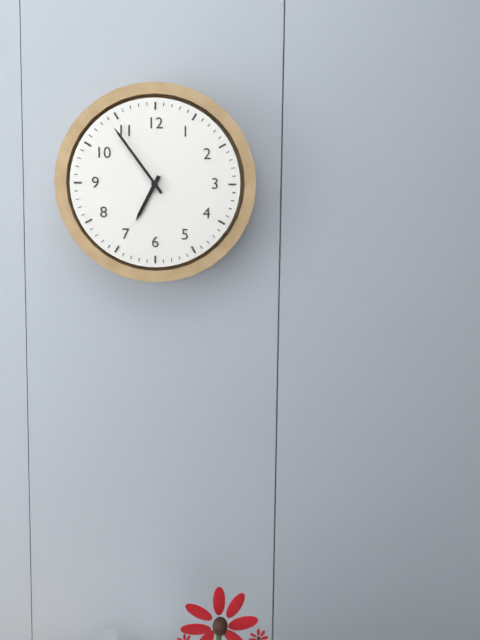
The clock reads {"hour": 6, "minute": 54}
